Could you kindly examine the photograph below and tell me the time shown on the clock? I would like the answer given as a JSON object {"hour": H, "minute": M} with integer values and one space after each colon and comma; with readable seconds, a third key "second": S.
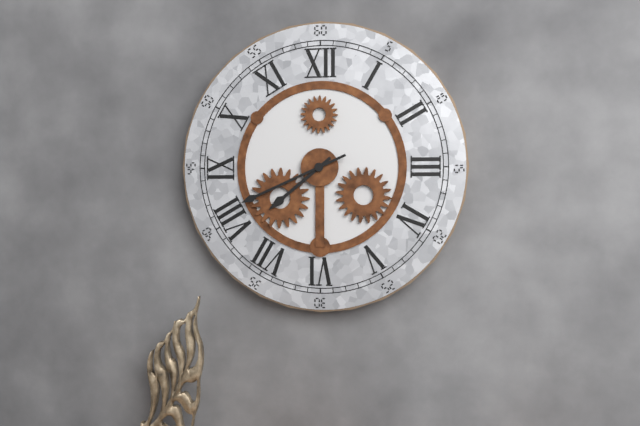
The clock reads {"hour": 7, "minute": 41}
